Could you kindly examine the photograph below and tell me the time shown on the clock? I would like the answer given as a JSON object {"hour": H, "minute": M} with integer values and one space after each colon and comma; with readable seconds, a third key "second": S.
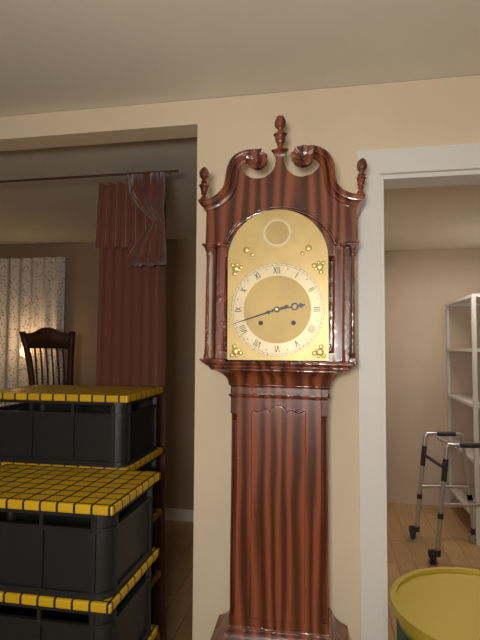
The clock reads {"hour": 2, "minute": 42}
